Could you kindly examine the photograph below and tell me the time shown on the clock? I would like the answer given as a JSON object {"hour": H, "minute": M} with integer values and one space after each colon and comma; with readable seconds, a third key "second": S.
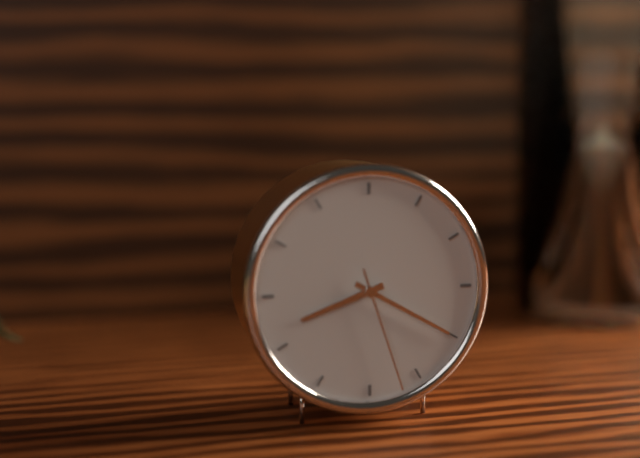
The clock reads {"hour": 8, "minute": 20, "second": 27}
